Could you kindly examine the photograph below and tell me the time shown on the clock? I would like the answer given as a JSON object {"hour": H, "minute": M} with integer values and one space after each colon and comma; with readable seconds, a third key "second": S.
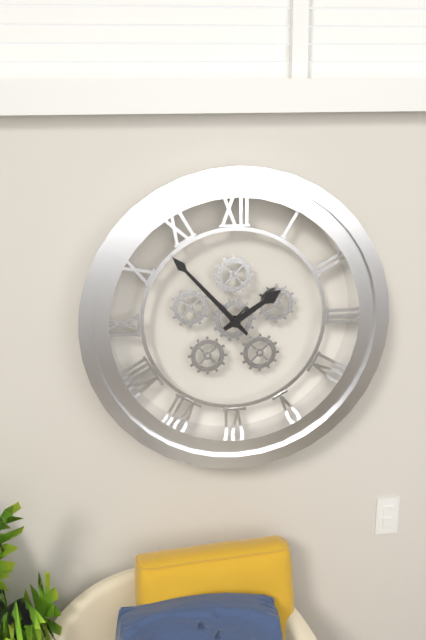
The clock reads {"hour": 1, "minute": 53}
